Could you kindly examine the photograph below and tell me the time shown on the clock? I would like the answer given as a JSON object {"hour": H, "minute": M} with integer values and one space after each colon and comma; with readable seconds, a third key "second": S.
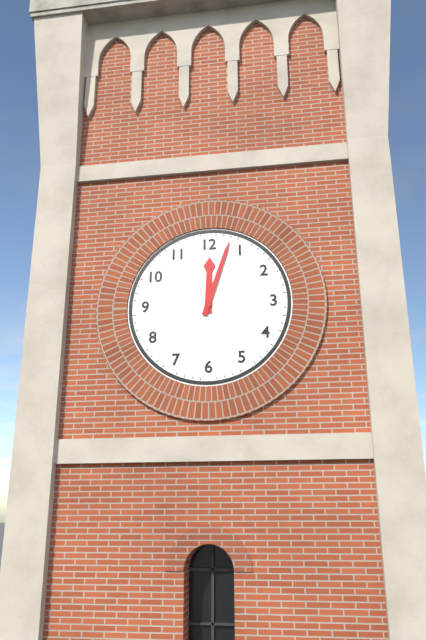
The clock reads {"hour": 12, "minute": 3}
